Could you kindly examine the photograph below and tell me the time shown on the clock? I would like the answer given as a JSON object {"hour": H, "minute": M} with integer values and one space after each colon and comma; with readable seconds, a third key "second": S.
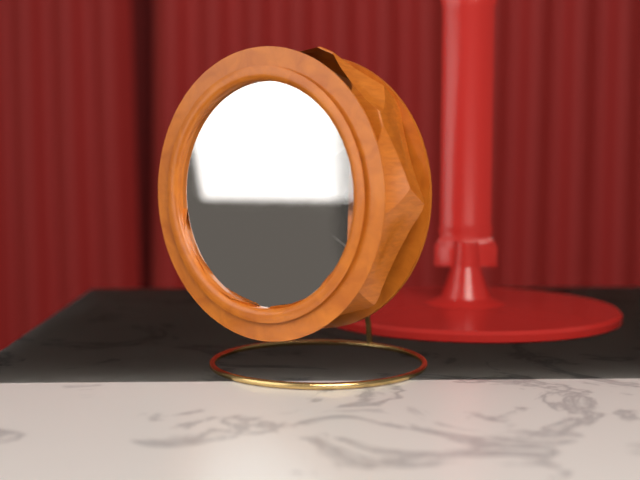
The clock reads {"hour": 11, "minute": 15, "second": 33}
